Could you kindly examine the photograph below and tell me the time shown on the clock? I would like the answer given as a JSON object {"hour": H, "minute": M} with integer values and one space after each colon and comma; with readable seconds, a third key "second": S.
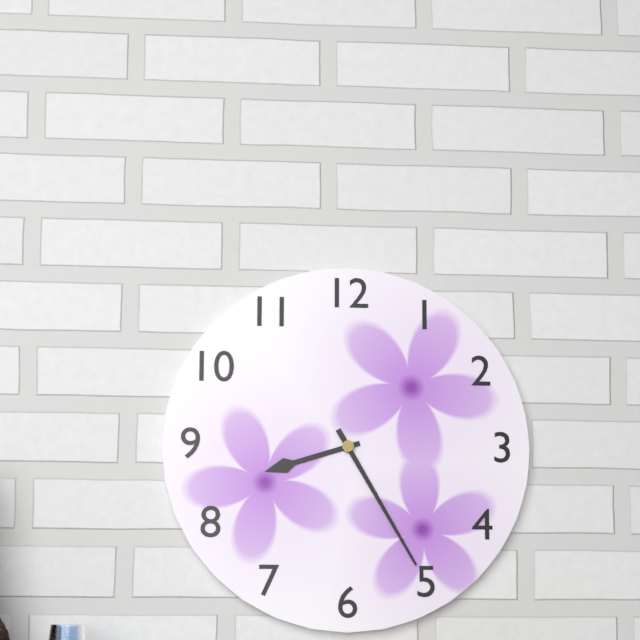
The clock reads {"hour": 8, "minute": 25}
